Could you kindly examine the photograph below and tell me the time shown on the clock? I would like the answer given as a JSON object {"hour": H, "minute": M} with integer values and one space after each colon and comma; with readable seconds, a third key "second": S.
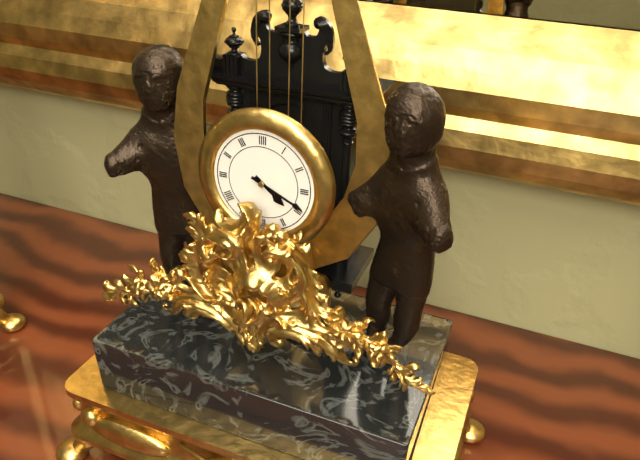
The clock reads {"hour": 4, "minute": 19}
